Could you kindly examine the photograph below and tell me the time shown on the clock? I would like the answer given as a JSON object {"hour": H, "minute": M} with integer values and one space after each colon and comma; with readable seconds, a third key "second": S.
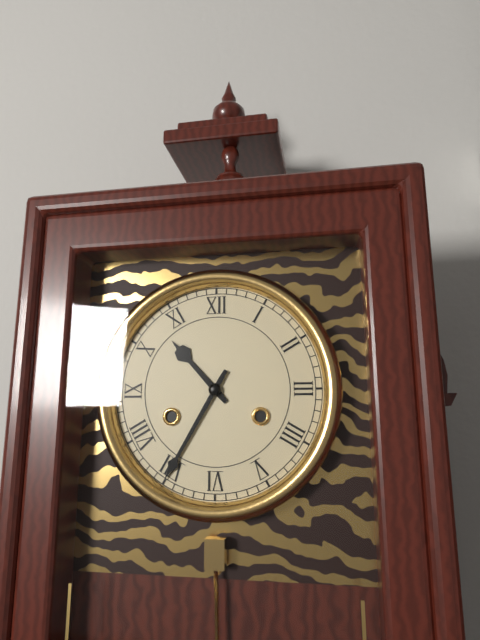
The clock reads {"hour": 10, "minute": 35}
